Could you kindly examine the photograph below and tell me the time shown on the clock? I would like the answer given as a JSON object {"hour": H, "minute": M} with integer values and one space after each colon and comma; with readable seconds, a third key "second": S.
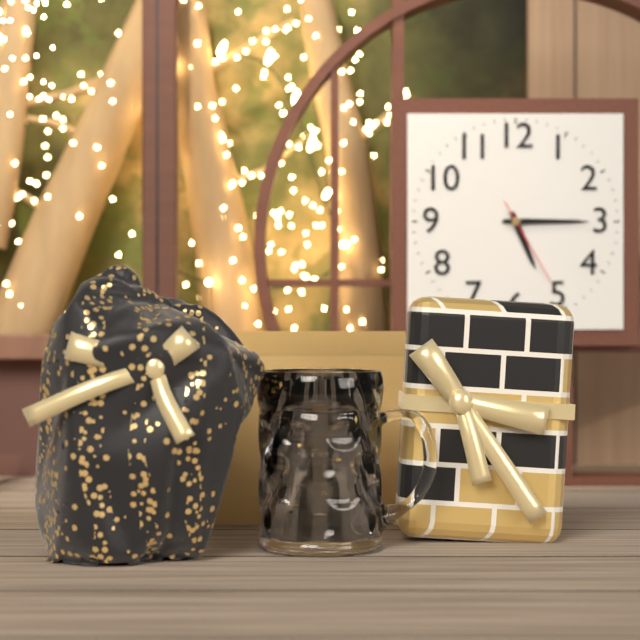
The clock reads {"hour": 5, "minute": 15, "second": 25}
